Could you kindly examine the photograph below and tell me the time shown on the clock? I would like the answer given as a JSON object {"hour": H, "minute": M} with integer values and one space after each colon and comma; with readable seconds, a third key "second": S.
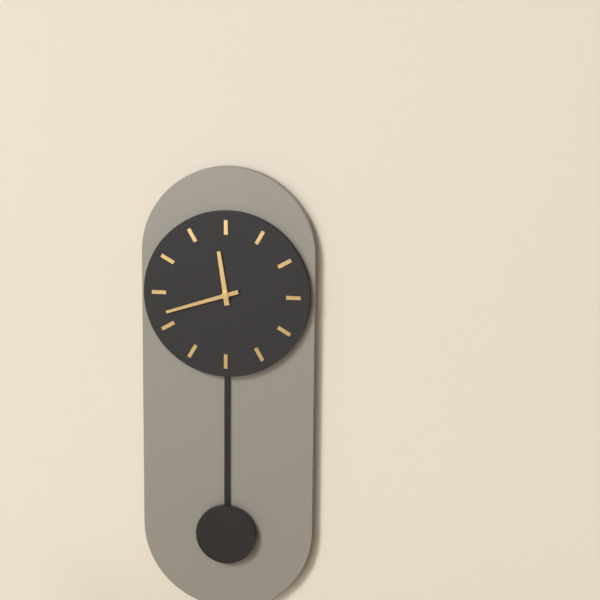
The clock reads {"hour": 11, "minute": 42}
